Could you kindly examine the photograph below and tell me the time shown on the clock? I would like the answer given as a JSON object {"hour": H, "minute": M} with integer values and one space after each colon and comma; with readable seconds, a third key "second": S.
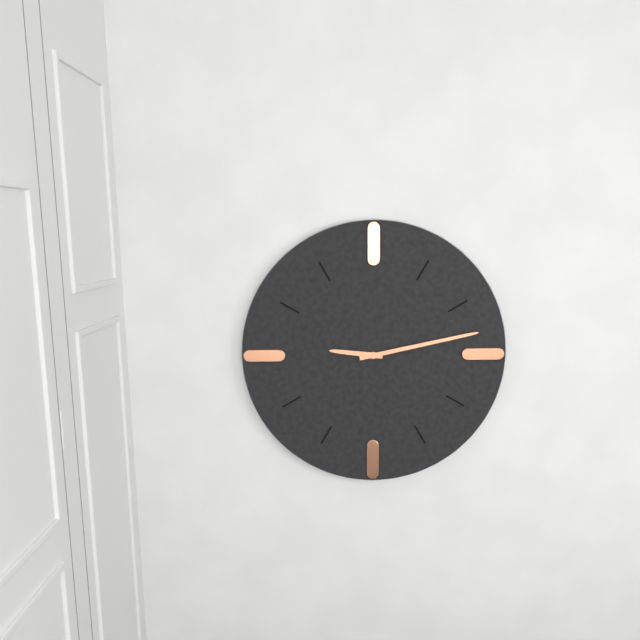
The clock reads {"hour": 9, "minute": 13}
